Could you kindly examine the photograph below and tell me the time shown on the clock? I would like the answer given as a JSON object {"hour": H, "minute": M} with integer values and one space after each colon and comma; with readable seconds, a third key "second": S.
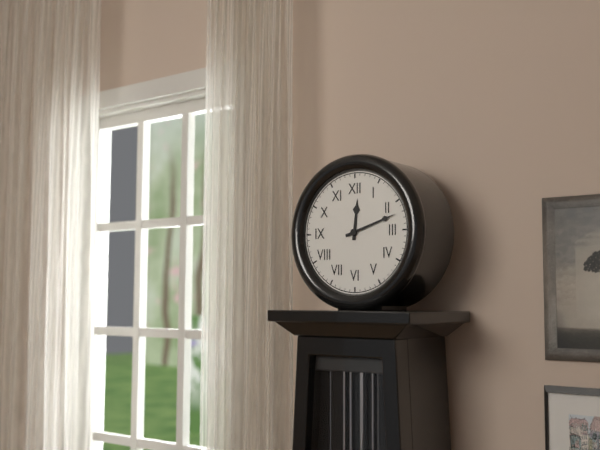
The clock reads {"hour": 12, "minute": 12}
